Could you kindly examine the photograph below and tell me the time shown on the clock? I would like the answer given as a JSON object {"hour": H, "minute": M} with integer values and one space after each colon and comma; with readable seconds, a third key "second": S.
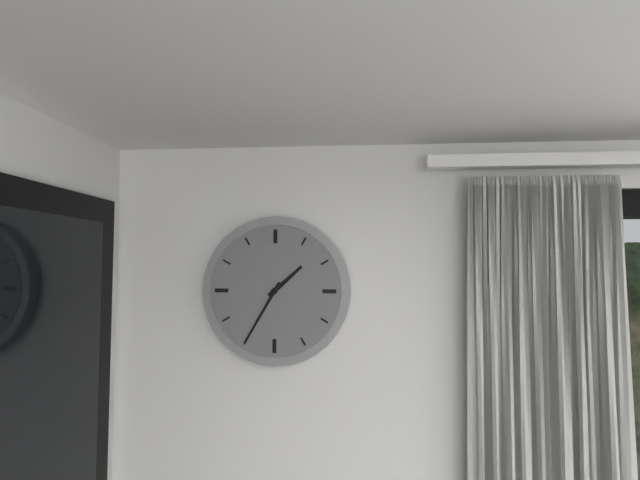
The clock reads {"hour": 1, "minute": 35}
